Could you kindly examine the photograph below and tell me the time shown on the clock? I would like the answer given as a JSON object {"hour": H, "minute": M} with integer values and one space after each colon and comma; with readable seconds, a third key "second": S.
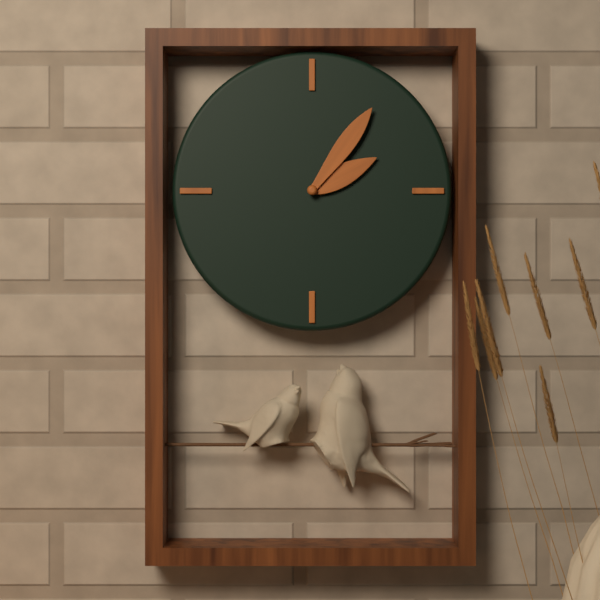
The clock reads {"hour": 2, "minute": 6}
